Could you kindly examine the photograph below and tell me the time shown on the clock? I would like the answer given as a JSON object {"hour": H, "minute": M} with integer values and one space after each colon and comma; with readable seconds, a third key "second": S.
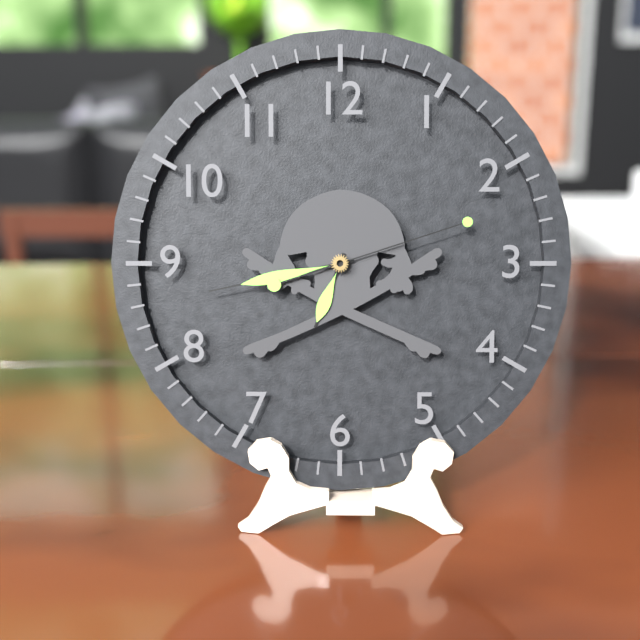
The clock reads {"hour": 6, "minute": 43, "second": 12}
